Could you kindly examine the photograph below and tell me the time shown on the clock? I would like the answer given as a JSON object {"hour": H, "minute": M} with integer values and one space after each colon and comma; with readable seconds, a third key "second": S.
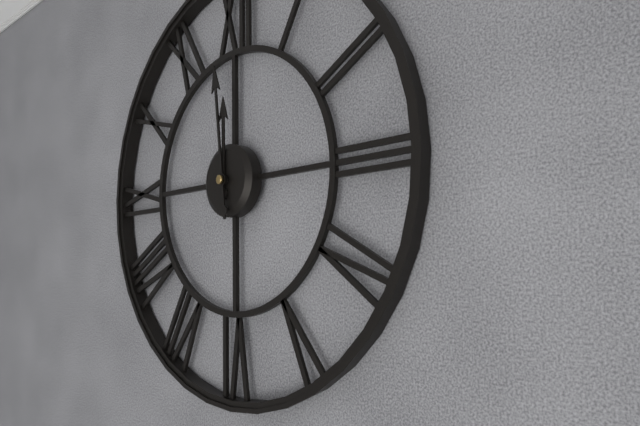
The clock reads {"hour": 11, "minute": 59}
